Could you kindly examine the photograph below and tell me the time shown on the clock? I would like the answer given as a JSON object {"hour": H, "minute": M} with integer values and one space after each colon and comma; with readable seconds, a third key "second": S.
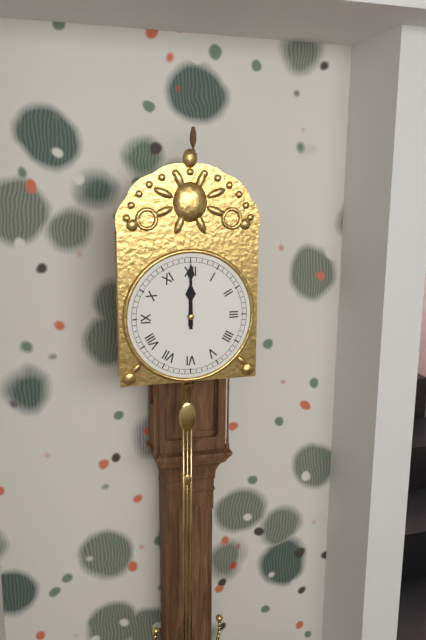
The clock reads {"hour": 12, "minute": 0}
